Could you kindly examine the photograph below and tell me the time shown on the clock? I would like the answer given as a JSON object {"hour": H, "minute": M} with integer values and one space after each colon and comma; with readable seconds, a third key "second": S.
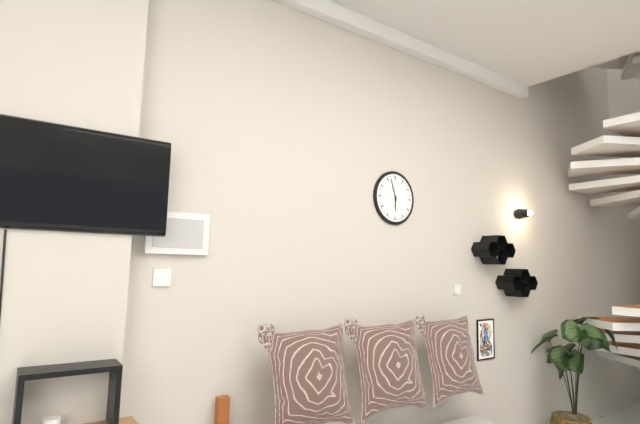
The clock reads {"hour": 5, "minute": 57}
